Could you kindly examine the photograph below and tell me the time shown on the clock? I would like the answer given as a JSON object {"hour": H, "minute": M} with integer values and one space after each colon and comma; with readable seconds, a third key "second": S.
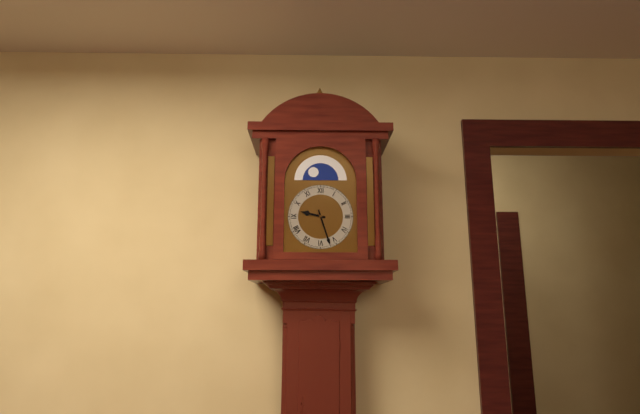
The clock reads {"hour": 9, "minute": 27}
